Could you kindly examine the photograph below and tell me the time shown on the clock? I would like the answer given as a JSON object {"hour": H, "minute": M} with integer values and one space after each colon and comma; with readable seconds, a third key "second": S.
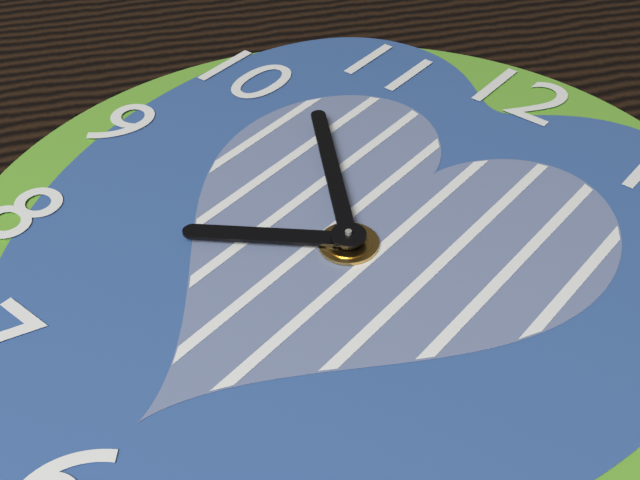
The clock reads {"hour": 7, "minute": 52}
